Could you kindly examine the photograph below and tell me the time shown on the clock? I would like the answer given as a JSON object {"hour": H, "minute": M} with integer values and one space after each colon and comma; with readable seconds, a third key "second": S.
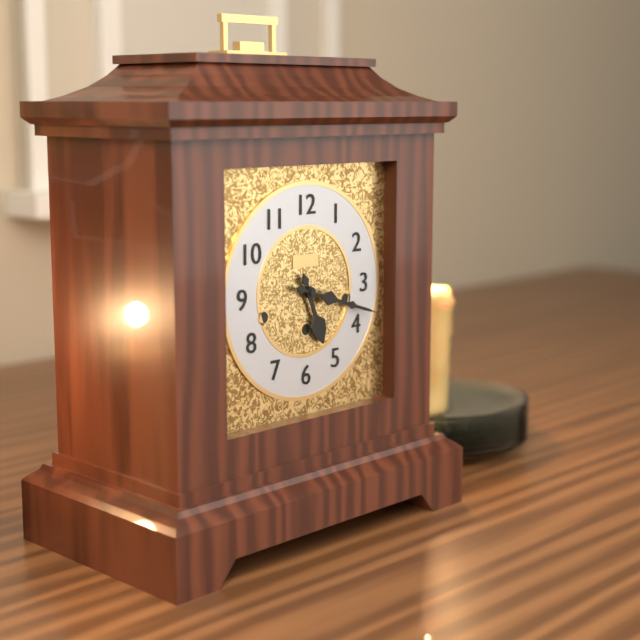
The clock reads {"hour": 5, "minute": 18}
